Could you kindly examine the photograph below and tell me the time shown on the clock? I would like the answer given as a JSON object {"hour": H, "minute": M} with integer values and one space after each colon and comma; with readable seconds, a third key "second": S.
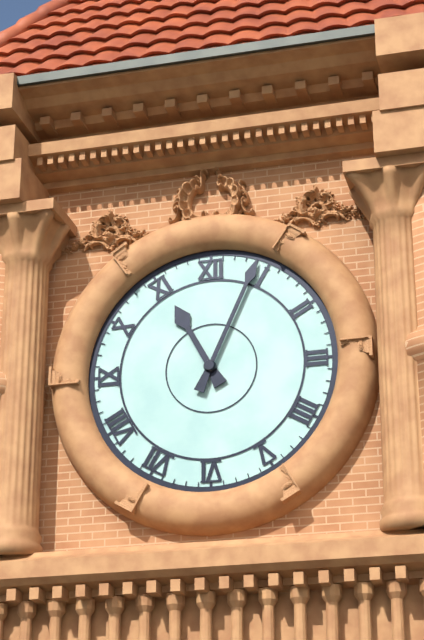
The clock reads {"hour": 11, "minute": 4}
